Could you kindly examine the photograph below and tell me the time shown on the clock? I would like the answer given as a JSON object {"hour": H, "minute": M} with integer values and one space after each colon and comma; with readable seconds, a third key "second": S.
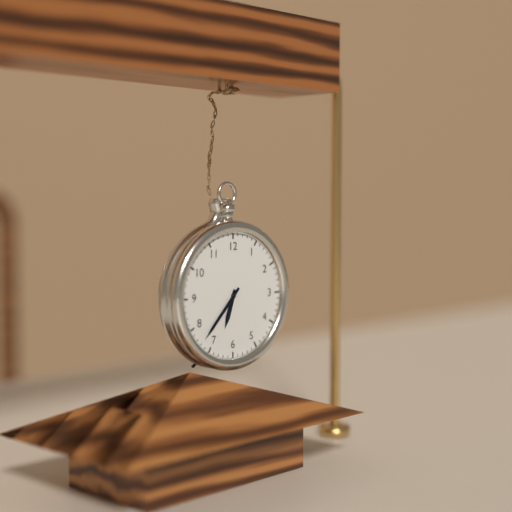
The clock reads {"hour": 6, "minute": 37}
